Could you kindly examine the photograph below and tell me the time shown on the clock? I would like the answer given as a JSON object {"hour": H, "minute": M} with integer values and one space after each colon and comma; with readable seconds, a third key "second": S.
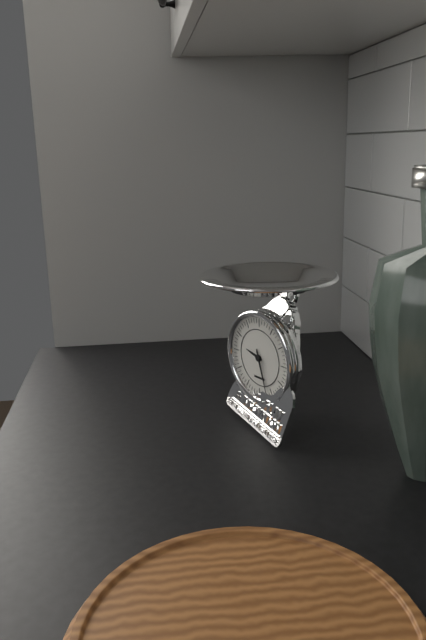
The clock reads {"hour": 9, "minute": 27}
